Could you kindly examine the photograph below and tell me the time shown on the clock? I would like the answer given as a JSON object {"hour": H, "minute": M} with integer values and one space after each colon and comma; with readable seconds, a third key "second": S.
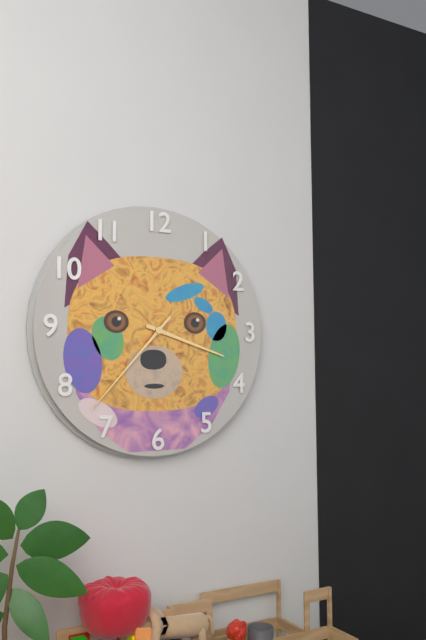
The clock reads {"hour": 3, "minute": 37}
